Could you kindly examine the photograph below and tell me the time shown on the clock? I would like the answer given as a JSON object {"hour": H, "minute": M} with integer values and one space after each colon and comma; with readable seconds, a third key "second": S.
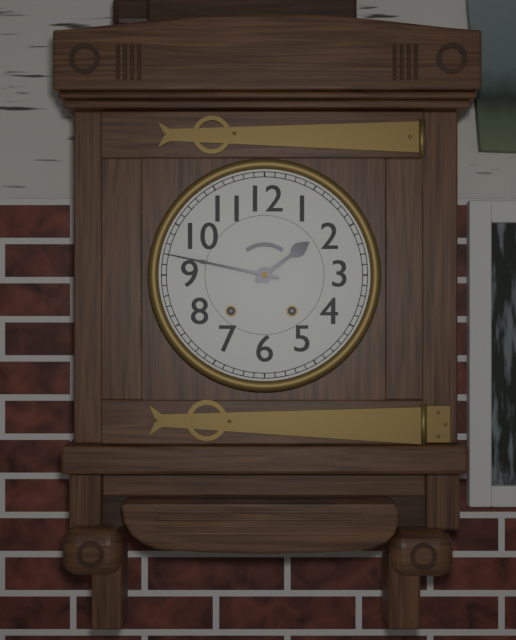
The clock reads {"hour": 1, "minute": 47}
